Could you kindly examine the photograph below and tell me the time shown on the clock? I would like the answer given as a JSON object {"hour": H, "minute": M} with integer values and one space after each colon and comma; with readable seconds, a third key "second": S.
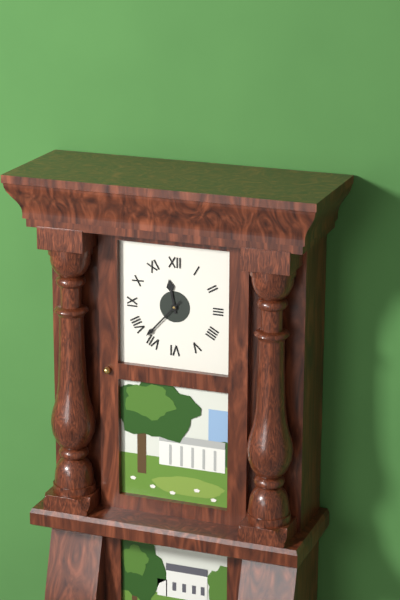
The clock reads {"hour": 11, "minute": 37}
